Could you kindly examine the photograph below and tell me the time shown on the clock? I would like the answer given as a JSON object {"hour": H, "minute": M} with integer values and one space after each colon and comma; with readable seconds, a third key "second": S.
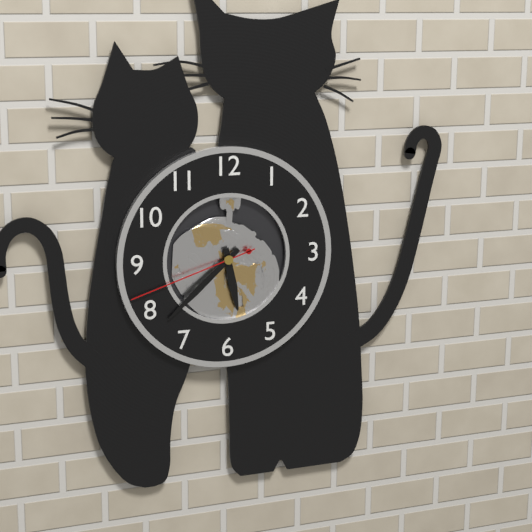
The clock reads {"hour": 5, "minute": 38, "second": 42}
